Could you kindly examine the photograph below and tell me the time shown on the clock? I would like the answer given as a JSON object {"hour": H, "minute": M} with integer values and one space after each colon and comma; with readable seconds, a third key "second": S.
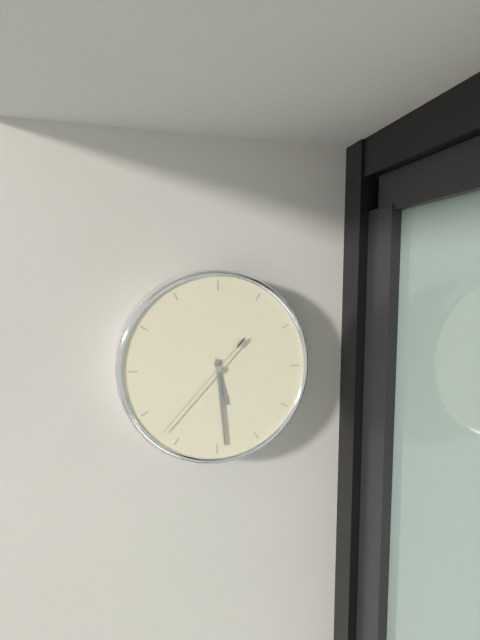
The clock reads {"hour": 5, "minute": 29, "second": 37}
